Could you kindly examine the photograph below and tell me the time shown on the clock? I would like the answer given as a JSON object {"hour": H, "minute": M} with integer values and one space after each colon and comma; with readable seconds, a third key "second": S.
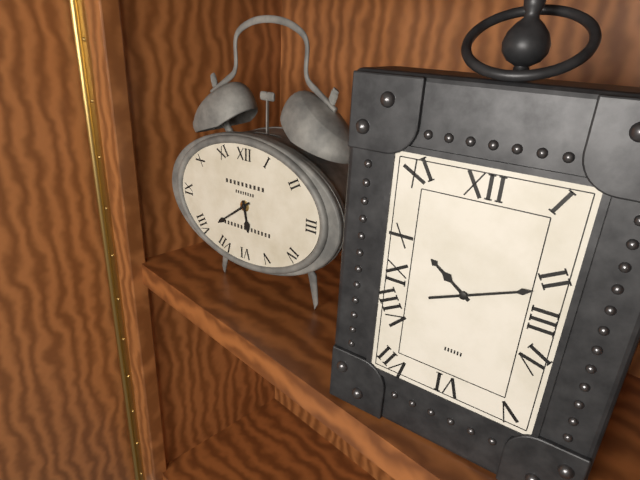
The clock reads {"hour": 5, "minute": 39}
